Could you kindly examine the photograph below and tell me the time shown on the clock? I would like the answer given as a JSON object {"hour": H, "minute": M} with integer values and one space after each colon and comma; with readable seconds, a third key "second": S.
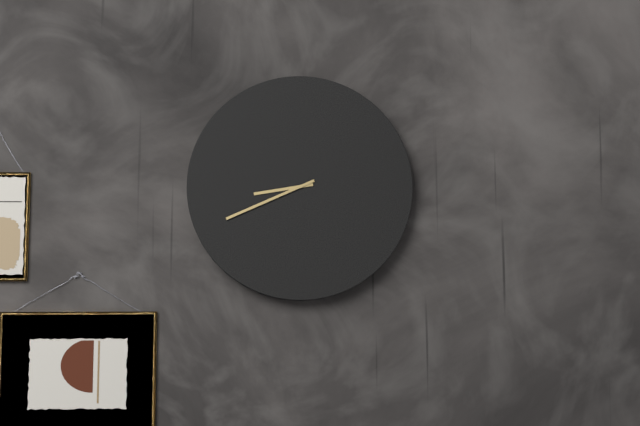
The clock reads {"hour": 8, "minute": 41}
